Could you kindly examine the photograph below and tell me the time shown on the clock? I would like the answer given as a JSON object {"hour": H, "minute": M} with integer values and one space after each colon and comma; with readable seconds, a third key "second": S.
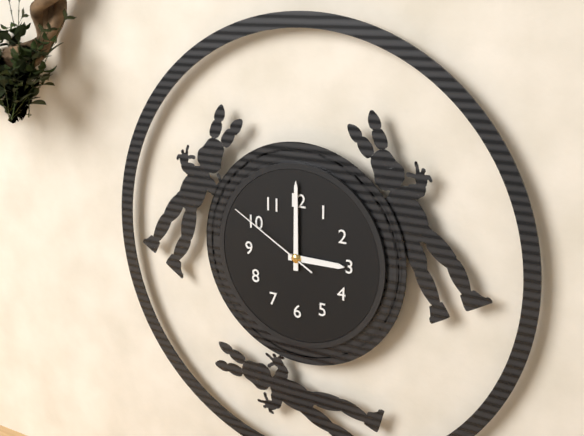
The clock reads {"hour": 3, "minute": 0, "second": 50}
